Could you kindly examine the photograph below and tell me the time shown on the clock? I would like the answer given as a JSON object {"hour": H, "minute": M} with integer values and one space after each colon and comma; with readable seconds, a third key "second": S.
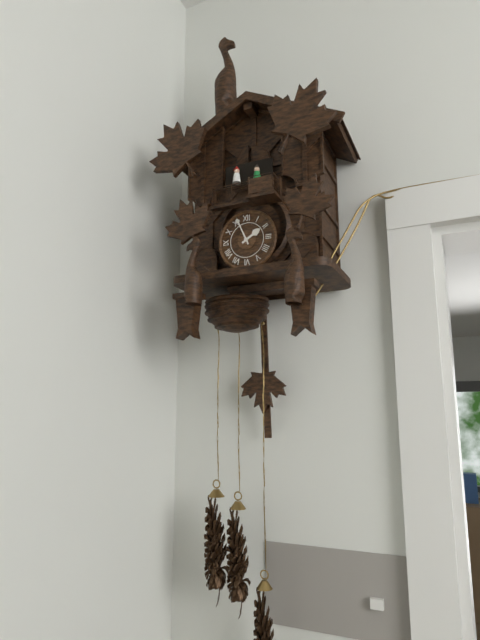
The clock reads {"hour": 1, "minute": 56}
